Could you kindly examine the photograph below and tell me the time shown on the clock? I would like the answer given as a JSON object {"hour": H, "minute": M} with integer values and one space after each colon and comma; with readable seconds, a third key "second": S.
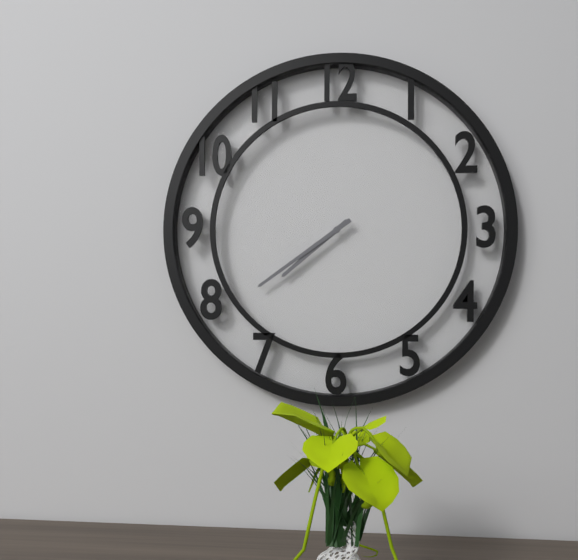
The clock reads {"hour": 7, "minute": 39}
